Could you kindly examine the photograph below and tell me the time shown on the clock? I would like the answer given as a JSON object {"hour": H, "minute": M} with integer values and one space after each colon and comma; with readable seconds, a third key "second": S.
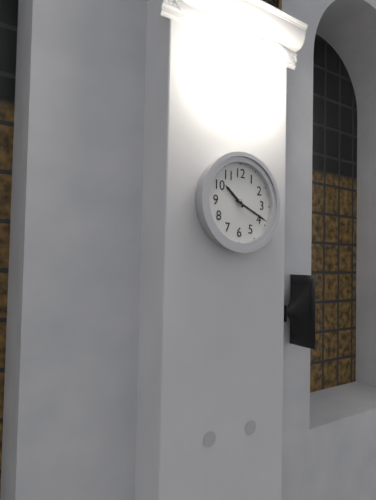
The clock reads {"hour": 10, "minute": 19}
